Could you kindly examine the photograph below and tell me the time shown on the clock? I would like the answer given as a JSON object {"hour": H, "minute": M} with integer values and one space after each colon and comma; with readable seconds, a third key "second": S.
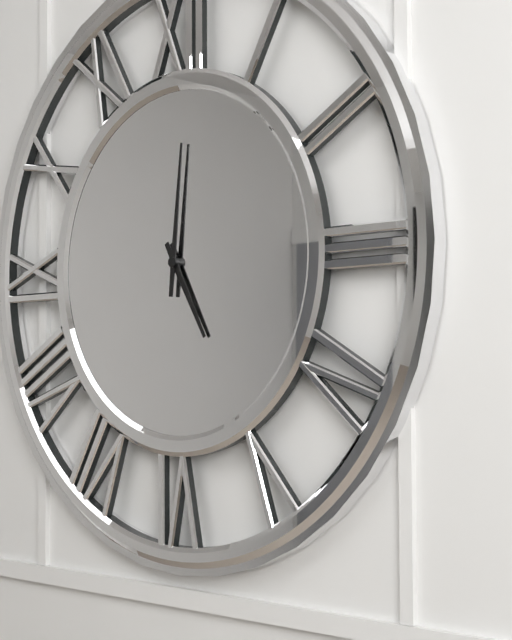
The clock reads {"hour": 5, "minute": 1}
